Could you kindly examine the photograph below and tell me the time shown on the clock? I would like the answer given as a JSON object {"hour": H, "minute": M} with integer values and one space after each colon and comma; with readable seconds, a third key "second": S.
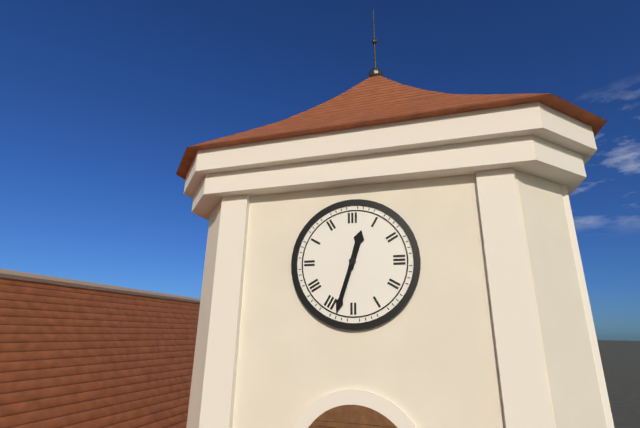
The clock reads {"hour": 12, "minute": 33}
